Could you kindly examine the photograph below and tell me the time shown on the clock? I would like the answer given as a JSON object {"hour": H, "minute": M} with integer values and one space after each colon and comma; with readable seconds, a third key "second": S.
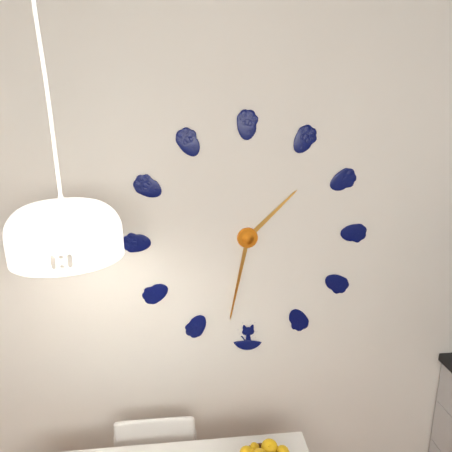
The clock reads {"hour": 1, "minute": 32}
